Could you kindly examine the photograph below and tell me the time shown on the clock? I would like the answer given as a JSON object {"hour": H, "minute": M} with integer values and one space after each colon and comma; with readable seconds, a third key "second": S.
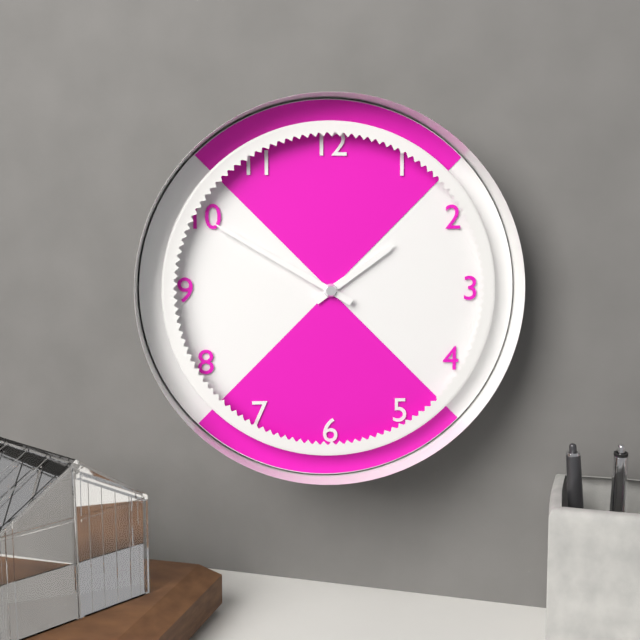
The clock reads {"hour": 1, "minute": 50}
